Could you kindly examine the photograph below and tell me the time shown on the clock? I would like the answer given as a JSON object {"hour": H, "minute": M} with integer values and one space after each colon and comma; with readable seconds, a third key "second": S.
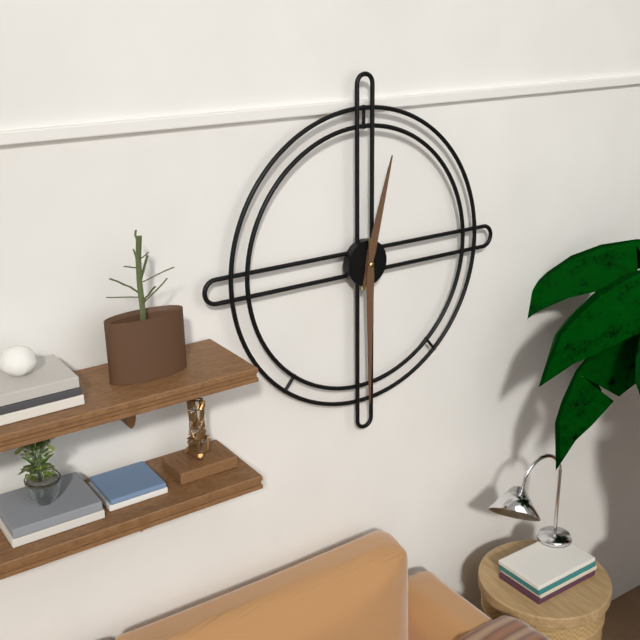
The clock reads {"hour": 12, "minute": 30}
